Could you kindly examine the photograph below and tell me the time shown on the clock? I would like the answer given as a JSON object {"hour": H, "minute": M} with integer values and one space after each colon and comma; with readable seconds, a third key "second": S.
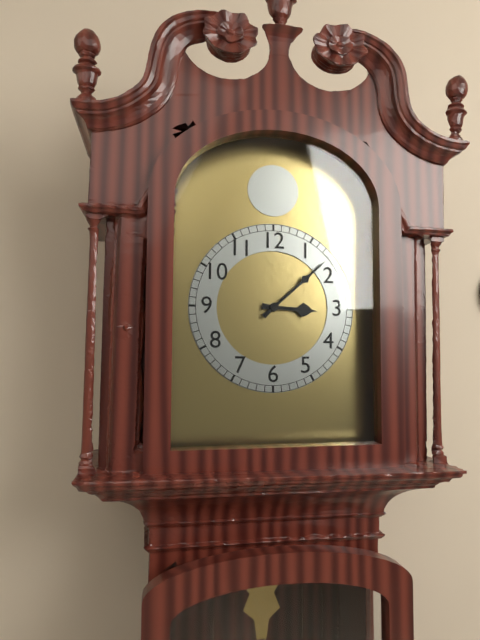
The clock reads {"hour": 3, "minute": 8}
